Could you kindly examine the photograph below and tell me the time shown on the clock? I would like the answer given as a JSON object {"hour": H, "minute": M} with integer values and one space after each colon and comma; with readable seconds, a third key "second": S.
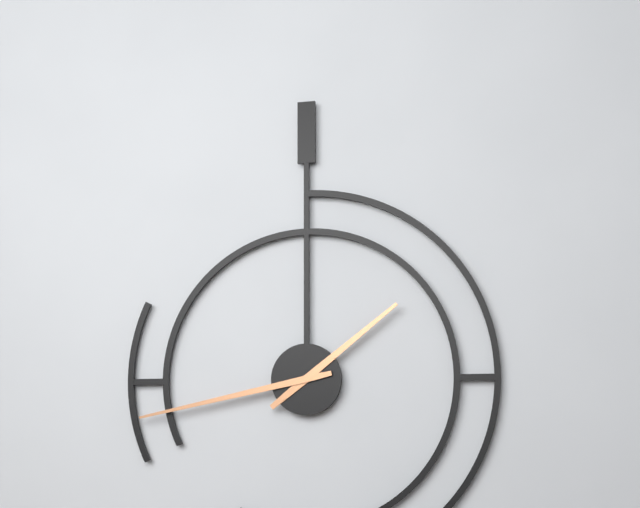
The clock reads {"hour": 1, "minute": 43}
